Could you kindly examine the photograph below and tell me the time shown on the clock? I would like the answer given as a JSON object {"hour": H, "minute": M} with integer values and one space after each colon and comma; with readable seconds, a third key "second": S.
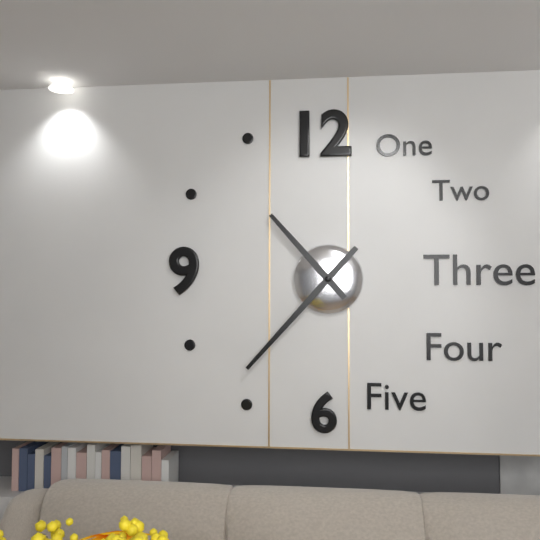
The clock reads {"hour": 10, "minute": 37}
